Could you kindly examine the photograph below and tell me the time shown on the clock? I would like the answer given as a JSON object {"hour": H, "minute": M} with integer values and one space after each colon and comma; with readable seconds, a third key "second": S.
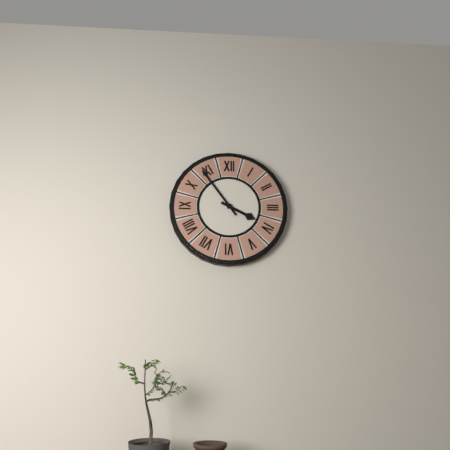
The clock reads {"hour": 3, "minute": 54}
